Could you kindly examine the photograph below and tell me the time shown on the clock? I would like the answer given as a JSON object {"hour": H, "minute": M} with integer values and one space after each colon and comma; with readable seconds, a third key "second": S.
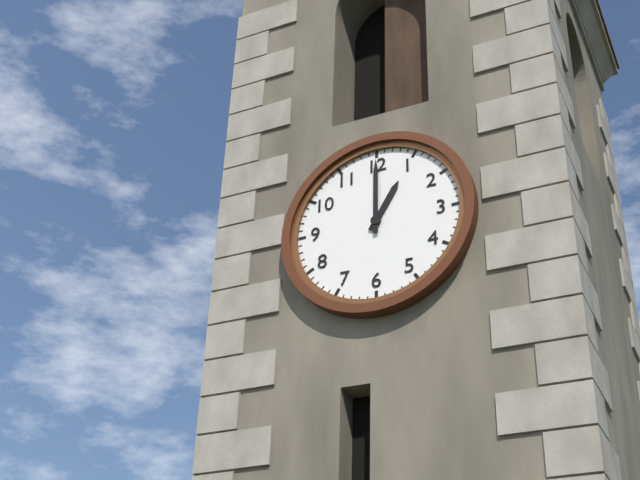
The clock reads {"hour": 1, "minute": 0}
